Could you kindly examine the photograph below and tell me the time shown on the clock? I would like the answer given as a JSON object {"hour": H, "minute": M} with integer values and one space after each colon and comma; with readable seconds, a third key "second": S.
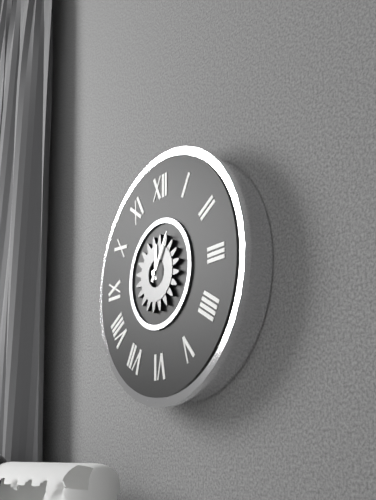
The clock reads {"hour": 12, "minute": 5}
